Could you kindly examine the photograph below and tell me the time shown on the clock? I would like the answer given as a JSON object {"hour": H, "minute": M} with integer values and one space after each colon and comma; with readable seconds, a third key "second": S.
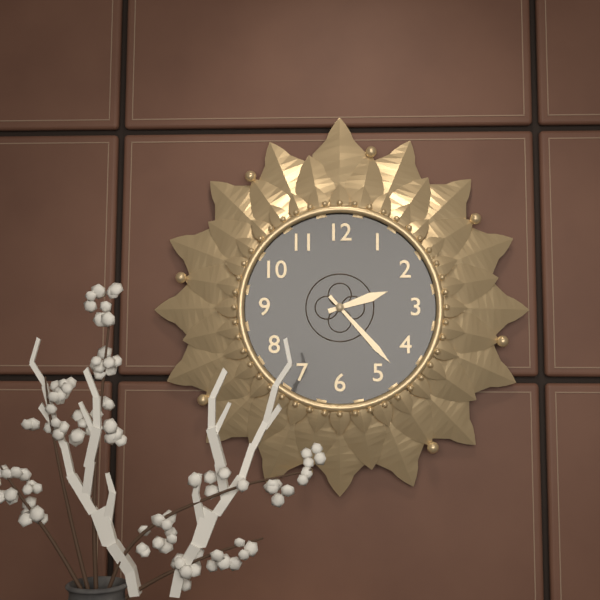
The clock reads {"hour": 2, "minute": 23}
